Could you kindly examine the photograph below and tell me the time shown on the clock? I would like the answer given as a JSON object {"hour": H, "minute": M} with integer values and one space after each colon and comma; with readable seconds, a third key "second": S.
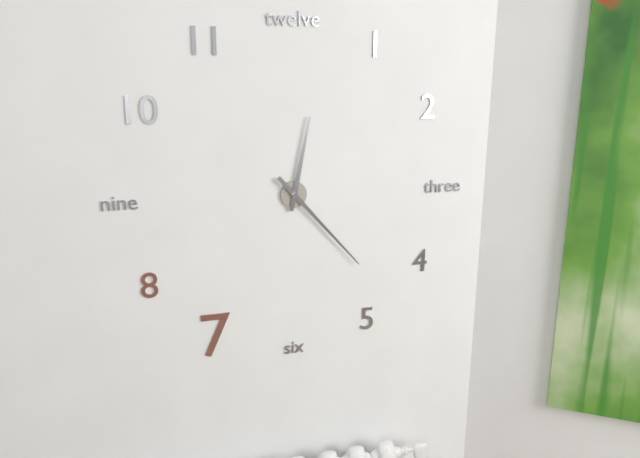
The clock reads {"hour": 12, "minute": 23}
